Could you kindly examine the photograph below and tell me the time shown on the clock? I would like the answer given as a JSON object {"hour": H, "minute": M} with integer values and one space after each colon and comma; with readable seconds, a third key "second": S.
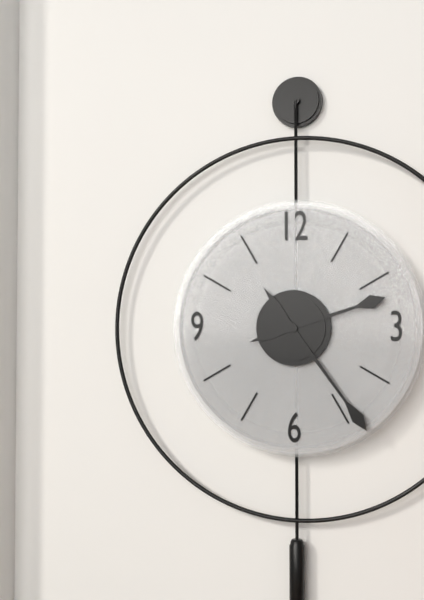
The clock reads {"hour": 2, "minute": 24}
